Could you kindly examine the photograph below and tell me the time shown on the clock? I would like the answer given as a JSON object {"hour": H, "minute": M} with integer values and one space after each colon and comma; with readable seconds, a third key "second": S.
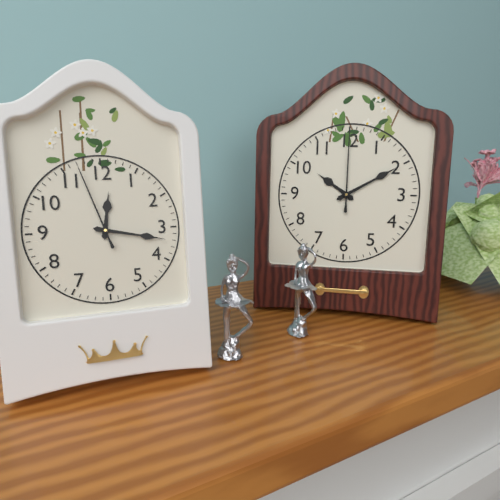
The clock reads {"hour": 12, "minute": 17, "second": 57}
